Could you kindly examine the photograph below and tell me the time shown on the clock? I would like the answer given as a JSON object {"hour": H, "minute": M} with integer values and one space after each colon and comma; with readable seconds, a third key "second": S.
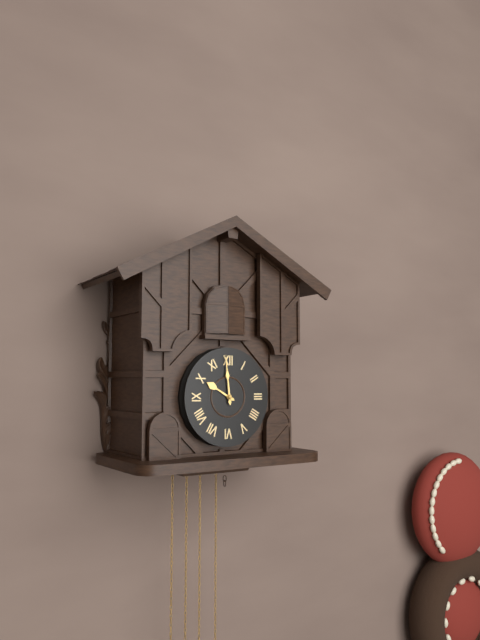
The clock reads {"hour": 9, "minute": 59}
